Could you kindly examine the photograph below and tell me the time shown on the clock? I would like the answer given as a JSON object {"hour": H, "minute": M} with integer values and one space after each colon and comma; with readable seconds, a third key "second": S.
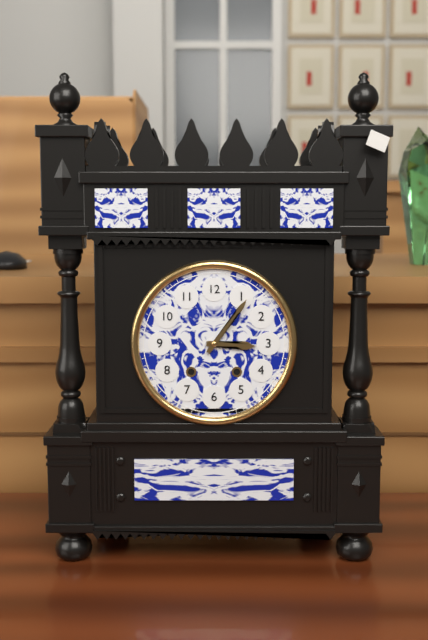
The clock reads {"hour": 3, "minute": 6}
